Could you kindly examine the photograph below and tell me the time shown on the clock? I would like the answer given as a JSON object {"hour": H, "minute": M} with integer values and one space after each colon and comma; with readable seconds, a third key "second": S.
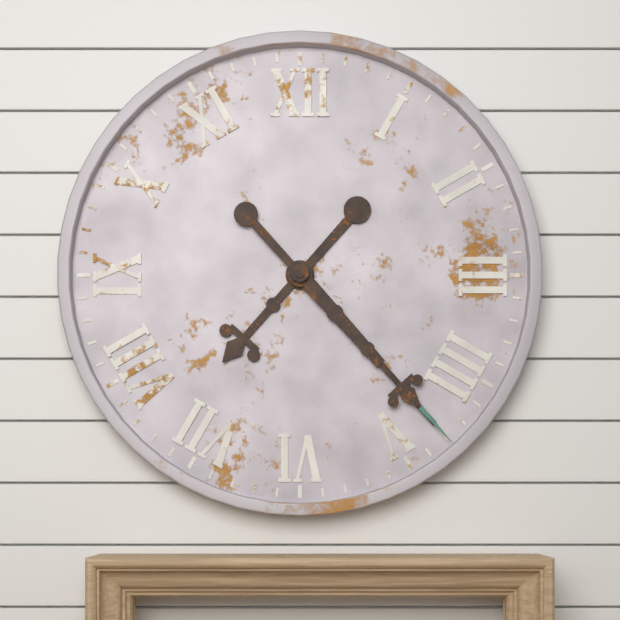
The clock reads {"hour": 7, "minute": 23}
